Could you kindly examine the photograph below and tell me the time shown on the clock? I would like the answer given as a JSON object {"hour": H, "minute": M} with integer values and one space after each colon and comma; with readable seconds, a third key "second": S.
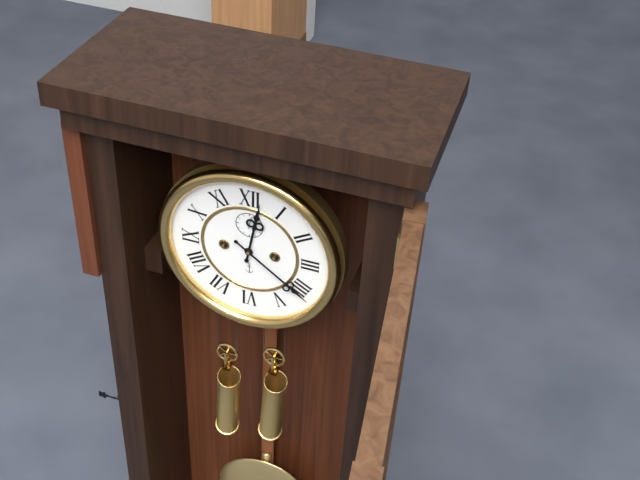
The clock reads {"hour": 12, "minute": 21}
